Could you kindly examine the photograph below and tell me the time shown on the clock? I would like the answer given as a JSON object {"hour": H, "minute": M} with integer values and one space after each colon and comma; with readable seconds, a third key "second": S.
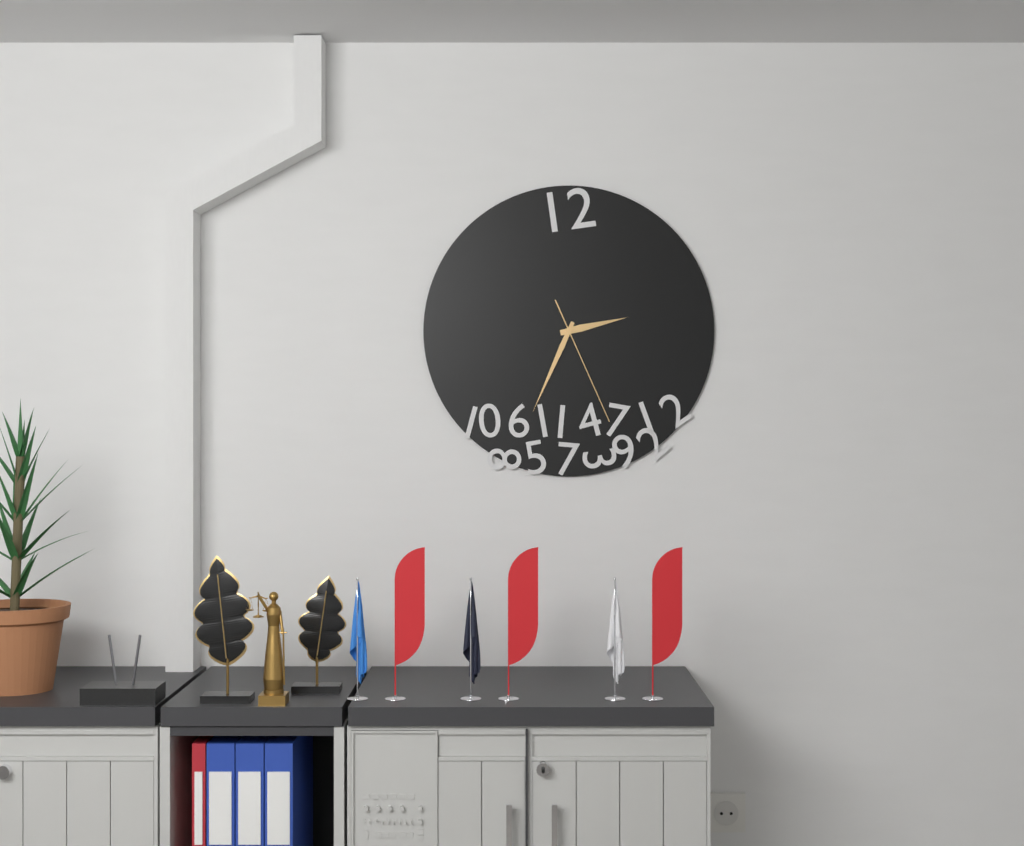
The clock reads {"hour": 2, "minute": 34, "second": 26}
